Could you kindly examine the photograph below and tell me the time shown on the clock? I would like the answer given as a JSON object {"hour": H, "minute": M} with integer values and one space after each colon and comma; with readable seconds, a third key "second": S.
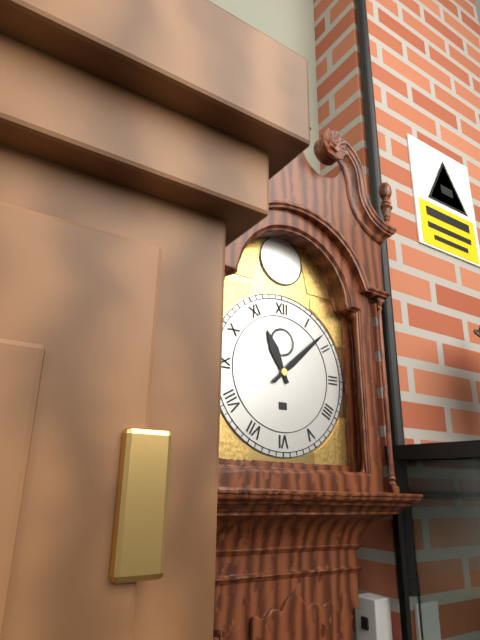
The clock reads {"hour": 11, "minute": 8}
